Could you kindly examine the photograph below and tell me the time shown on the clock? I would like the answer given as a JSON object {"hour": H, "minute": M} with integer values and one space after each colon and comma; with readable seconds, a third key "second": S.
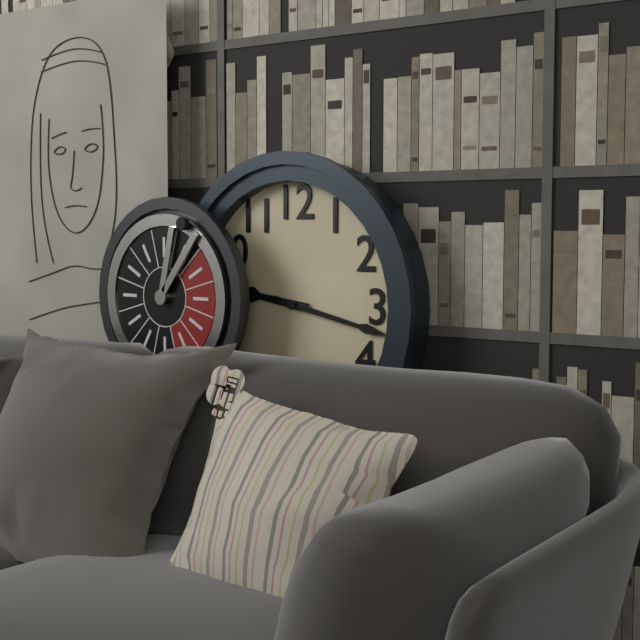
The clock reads {"hour": 9, "minute": 17}
